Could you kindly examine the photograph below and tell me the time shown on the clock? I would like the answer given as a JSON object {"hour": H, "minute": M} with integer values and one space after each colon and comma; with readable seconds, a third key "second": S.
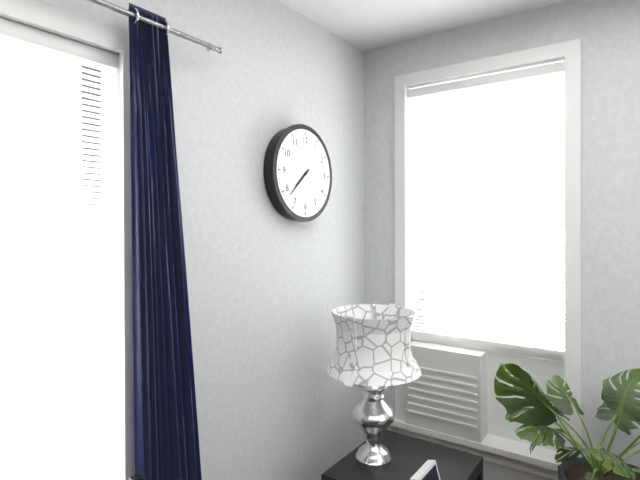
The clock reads {"hour": 7, "minute": 38}
